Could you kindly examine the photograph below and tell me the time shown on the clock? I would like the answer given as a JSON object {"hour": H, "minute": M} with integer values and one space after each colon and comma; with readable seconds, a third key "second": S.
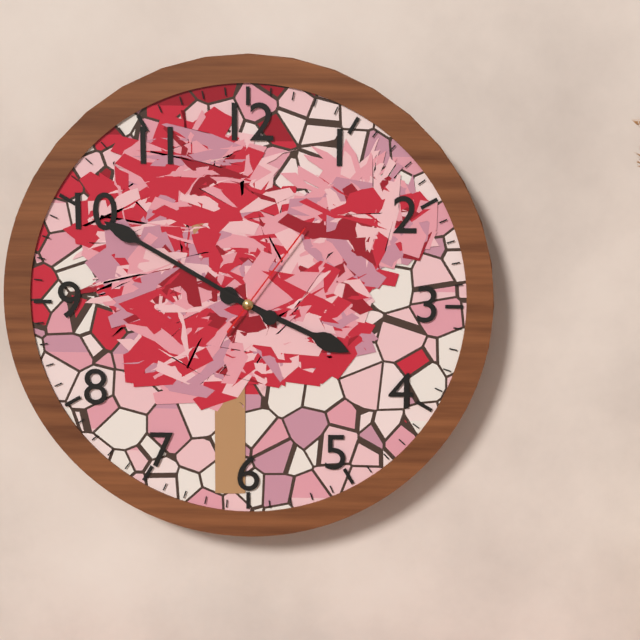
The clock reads {"hour": 3, "minute": 50, "second": 6}
